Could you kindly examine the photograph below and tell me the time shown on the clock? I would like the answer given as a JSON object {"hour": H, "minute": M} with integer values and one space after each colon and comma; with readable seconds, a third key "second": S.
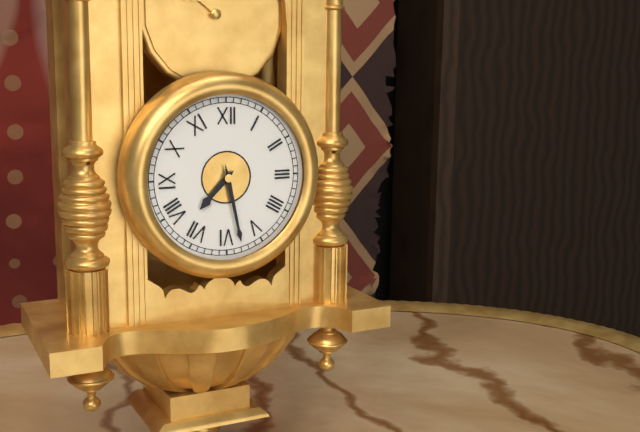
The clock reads {"hour": 7, "minute": 28}
